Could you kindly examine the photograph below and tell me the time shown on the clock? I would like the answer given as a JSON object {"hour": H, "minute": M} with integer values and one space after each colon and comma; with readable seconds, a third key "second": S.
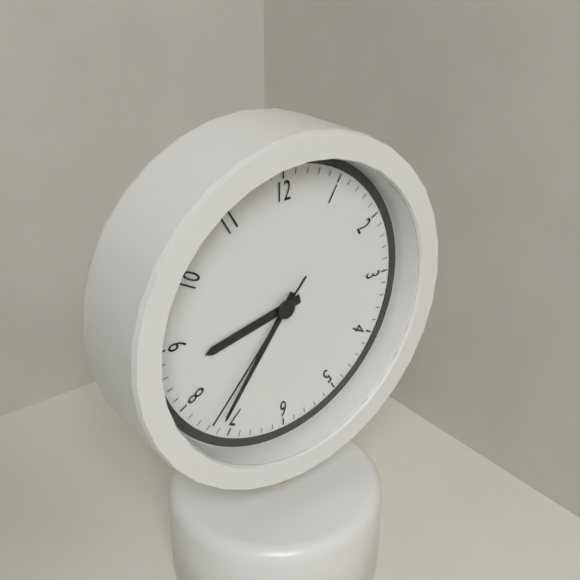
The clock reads {"hour": 8, "minute": 36, "second": 37}
